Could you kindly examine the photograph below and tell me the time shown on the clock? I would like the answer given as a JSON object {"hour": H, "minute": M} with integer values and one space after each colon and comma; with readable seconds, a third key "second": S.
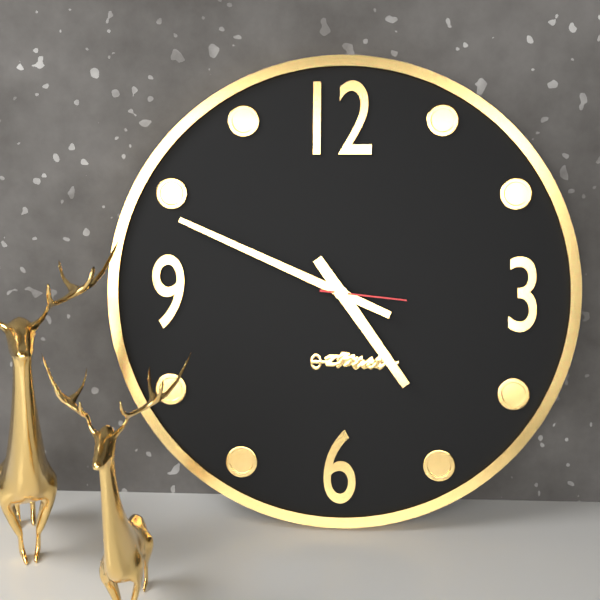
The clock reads {"hour": 4, "minute": 49, "second": 16}
